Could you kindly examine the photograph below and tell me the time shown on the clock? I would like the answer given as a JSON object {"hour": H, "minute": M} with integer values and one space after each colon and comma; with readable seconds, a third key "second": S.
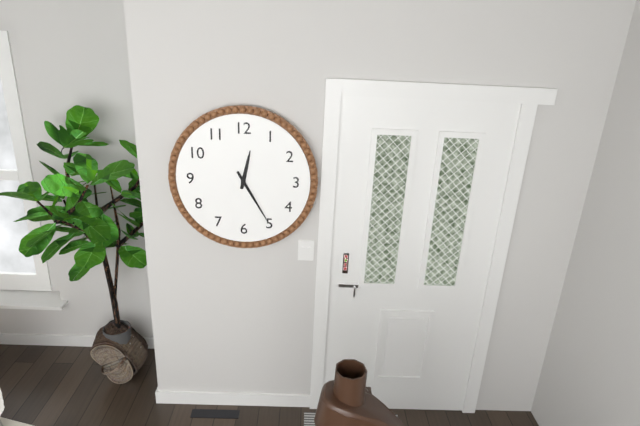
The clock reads {"hour": 12, "minute": 25}
